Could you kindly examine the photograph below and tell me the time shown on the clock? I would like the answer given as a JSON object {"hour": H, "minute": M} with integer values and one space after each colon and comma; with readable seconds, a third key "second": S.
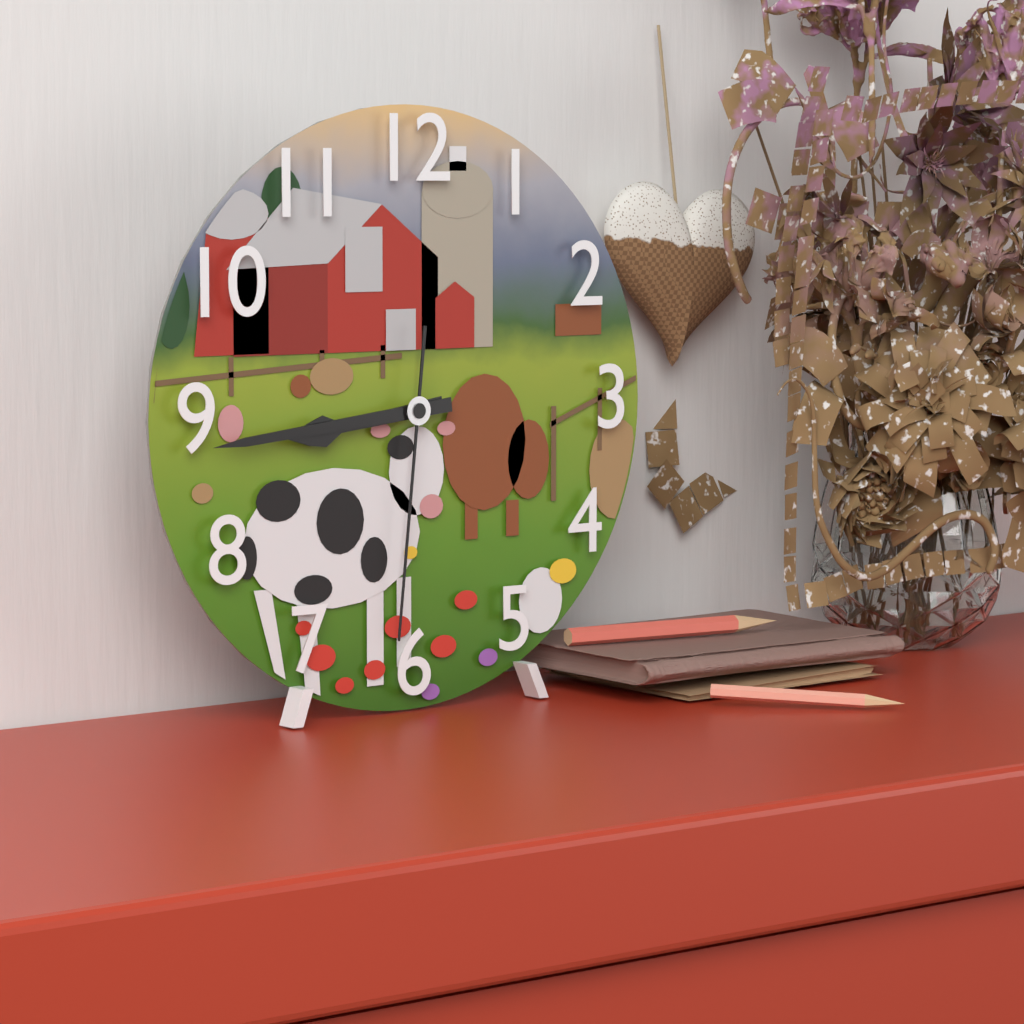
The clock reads {"hour": 8, "minute": 44, "second": 31}
